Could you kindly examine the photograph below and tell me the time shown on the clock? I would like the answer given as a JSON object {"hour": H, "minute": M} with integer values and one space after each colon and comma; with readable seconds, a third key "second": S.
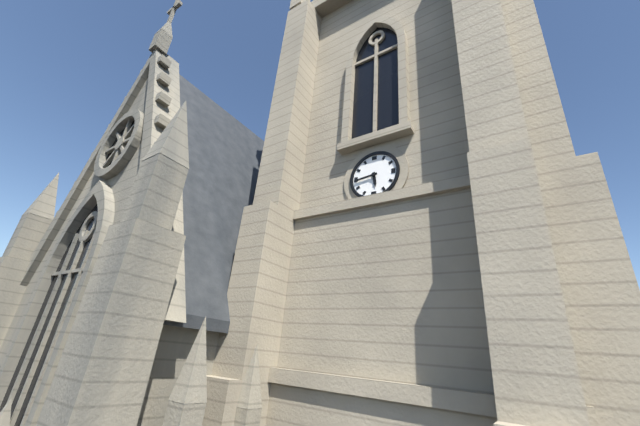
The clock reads {"hour": 5, "minute": 44}
